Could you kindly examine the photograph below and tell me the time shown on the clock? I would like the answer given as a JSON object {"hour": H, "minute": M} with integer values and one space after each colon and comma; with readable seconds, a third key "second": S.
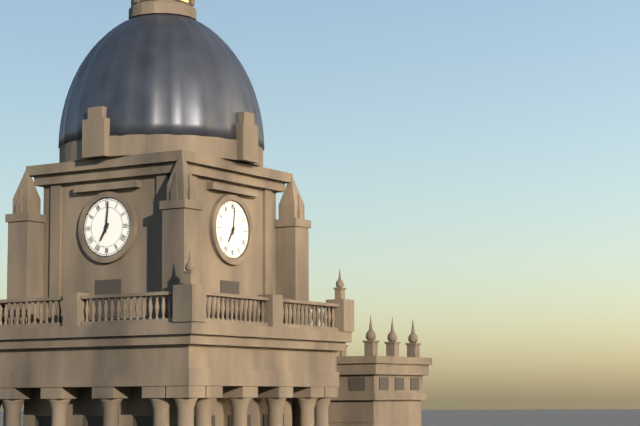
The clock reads {"hour": 7, "minute": 1}
